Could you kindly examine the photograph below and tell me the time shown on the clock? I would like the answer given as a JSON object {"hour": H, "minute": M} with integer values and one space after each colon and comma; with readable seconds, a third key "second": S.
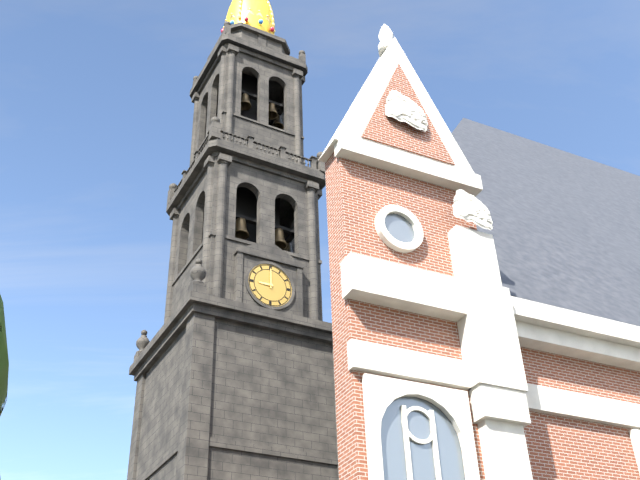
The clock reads {"hour": 9, "minute": 0}
